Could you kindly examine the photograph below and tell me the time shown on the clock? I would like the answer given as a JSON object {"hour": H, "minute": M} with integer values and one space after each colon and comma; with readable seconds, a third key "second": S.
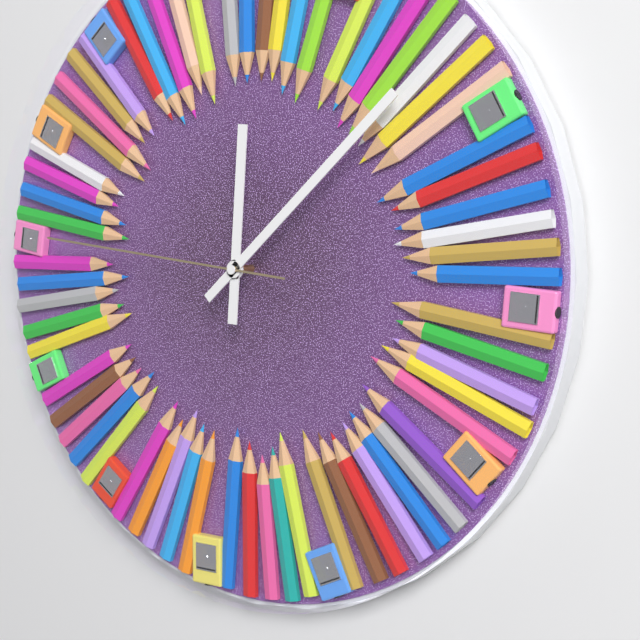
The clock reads {"hour": 12, "minute": 8, "second": 46}
